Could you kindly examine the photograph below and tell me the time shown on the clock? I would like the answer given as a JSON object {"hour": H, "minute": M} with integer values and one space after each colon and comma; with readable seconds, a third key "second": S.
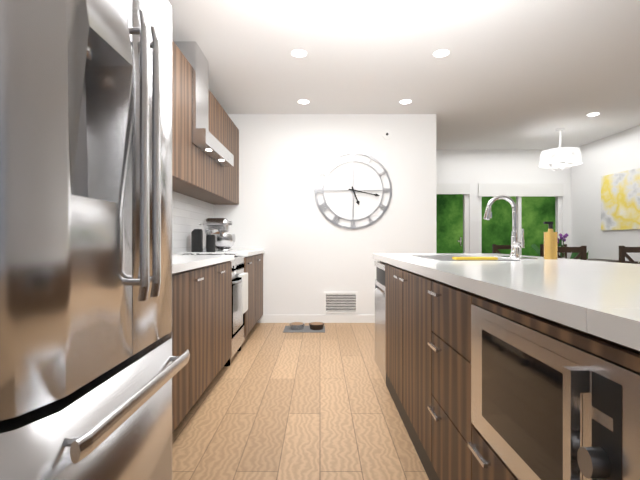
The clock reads {"hour": 5, "minute": 17}
